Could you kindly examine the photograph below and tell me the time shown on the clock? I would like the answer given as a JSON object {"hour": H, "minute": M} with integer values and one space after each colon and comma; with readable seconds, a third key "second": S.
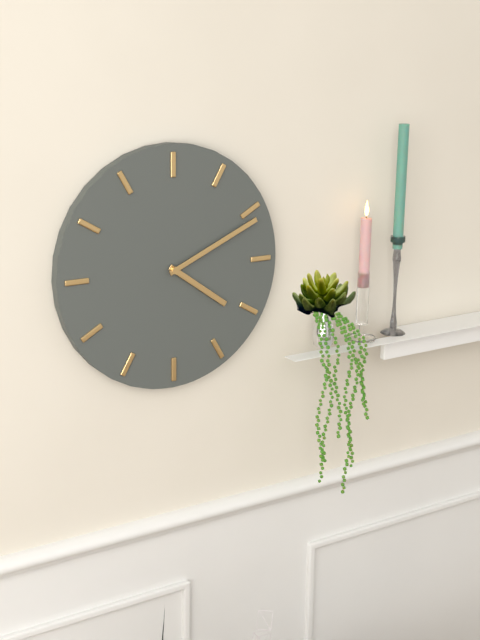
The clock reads {"hour": 4, "minute": 11}
